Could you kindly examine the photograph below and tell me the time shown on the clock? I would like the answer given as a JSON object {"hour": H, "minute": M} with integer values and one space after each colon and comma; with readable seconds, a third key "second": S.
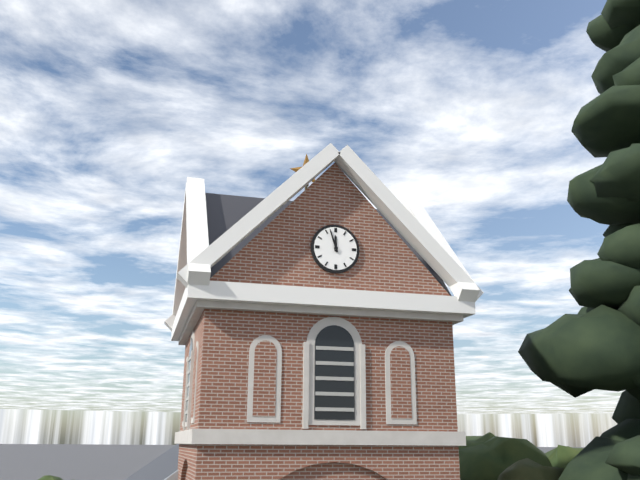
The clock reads {"hour": 11, "minute": 57}
